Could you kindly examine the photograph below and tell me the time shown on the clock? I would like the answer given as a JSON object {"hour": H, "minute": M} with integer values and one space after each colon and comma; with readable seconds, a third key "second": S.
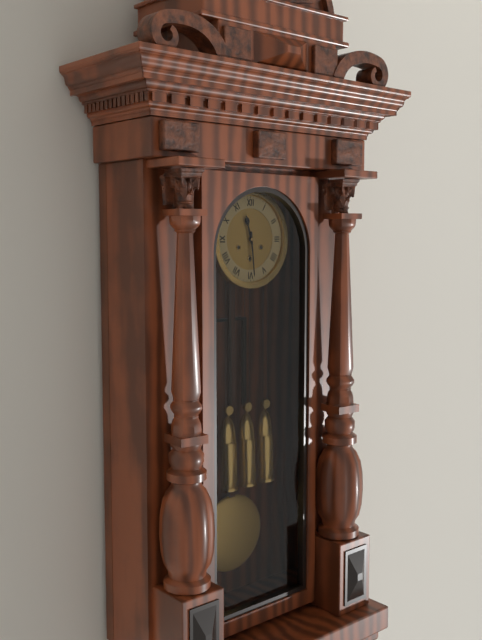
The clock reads {"hour": 11, "minute": 29}
